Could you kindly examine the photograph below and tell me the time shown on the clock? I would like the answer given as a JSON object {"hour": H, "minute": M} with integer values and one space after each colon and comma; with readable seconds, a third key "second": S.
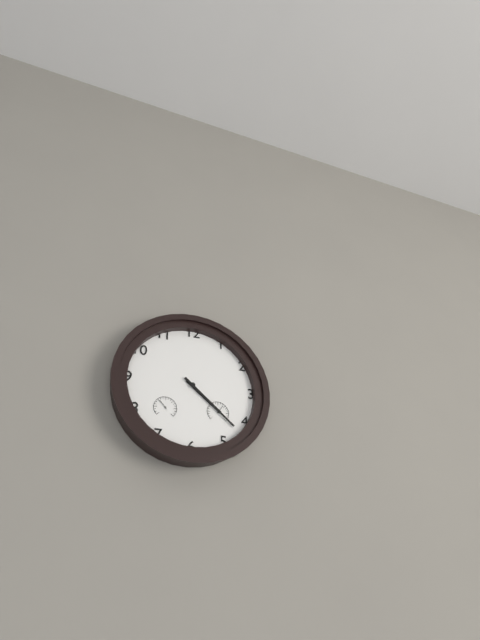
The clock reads {"hour": 4, "minute": 22}
